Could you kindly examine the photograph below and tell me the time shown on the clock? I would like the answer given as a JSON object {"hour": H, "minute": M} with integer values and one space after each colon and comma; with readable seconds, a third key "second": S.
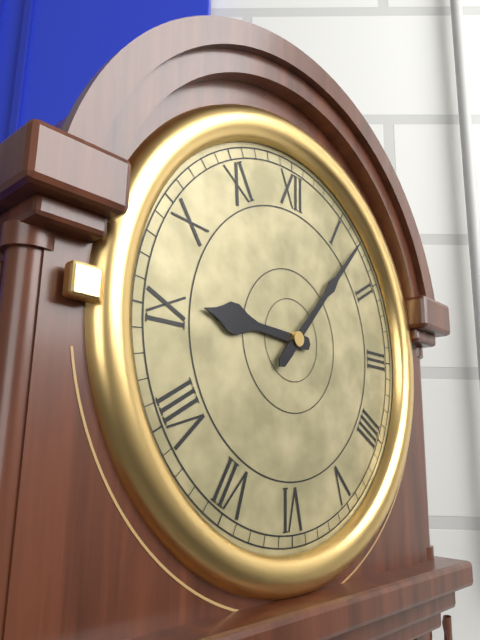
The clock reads {"hour": 9, "minute": 7}
